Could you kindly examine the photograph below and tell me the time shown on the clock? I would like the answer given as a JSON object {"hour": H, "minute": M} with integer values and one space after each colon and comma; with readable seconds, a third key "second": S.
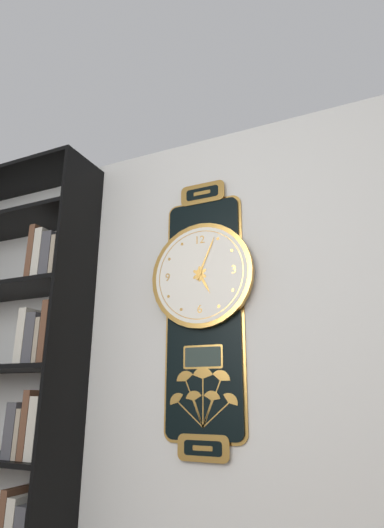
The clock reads {"hour": 5, "minute": 4}
